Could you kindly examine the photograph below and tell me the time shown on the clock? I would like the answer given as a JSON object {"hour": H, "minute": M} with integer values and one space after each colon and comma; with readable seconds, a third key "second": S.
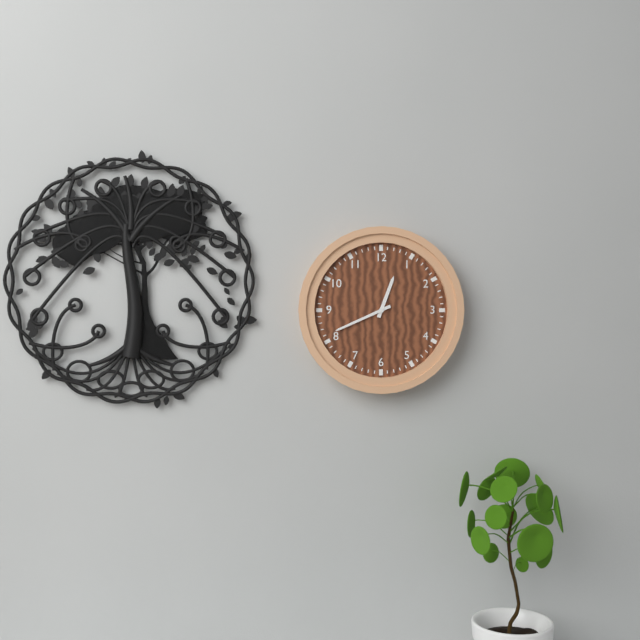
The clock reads {"hour": 12, "minute": 41}
